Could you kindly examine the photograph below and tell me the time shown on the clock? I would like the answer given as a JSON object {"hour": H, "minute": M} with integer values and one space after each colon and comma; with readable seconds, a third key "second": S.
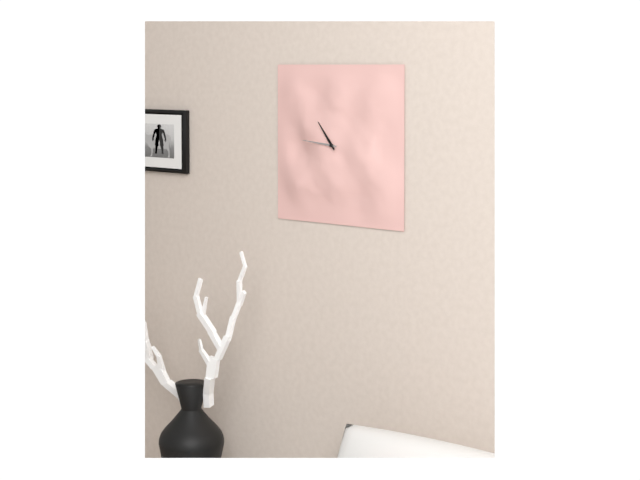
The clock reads {"hour": 10, "minute": 46}
